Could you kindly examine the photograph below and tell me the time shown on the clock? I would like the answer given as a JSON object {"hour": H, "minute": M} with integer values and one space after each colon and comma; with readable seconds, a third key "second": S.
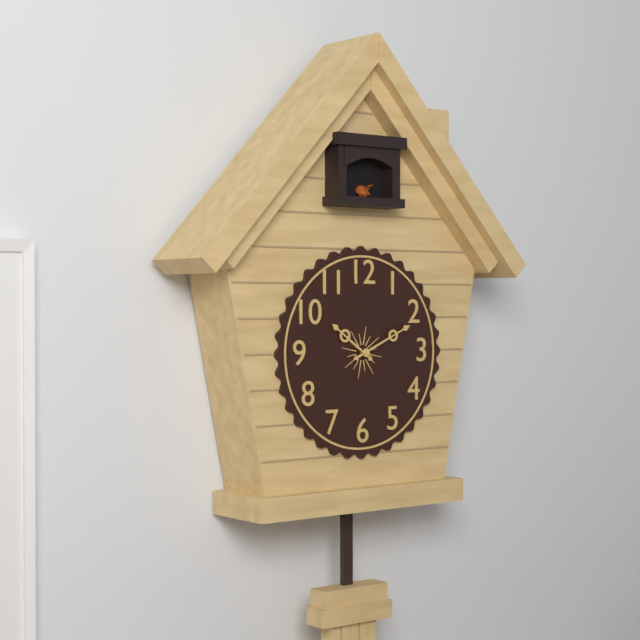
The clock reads {"hour": 10, "minute": 11}
